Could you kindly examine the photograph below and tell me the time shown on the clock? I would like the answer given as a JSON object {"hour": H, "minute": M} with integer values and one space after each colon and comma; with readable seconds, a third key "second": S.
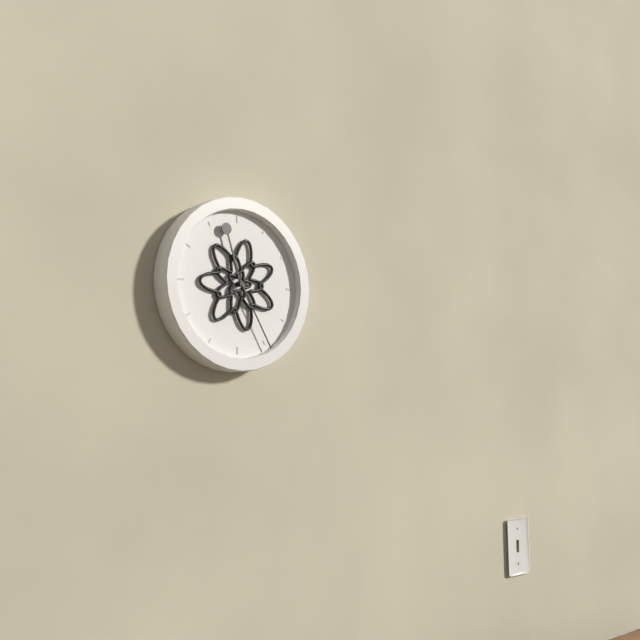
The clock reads {"hour": 11, "minute": 25}
